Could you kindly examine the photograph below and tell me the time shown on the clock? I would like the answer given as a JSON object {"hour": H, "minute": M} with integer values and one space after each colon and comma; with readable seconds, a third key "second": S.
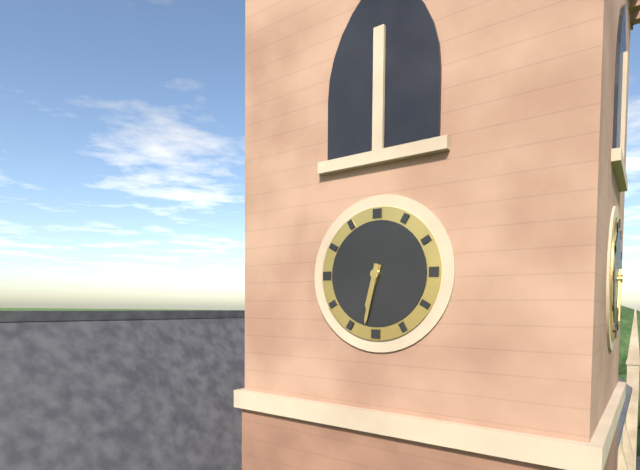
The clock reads {"hour": 6, "minute": 32}
